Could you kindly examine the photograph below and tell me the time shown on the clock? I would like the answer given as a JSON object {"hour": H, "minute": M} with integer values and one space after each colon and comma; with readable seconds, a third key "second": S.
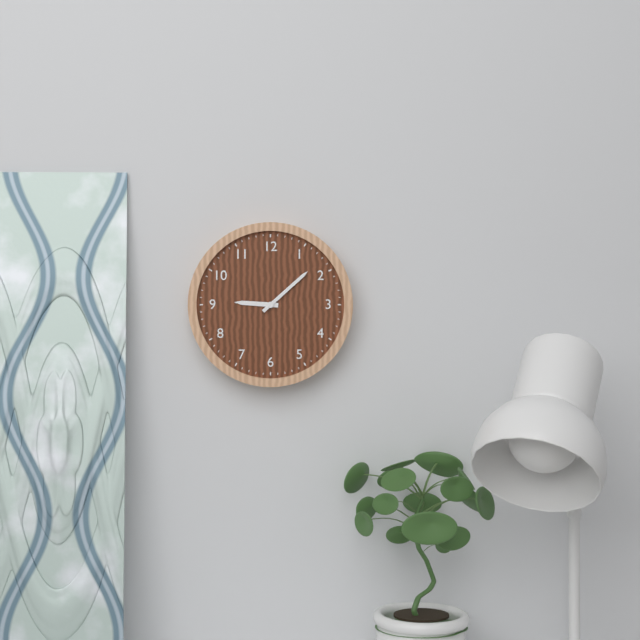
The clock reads {"hour": 9, "minute": 8}
